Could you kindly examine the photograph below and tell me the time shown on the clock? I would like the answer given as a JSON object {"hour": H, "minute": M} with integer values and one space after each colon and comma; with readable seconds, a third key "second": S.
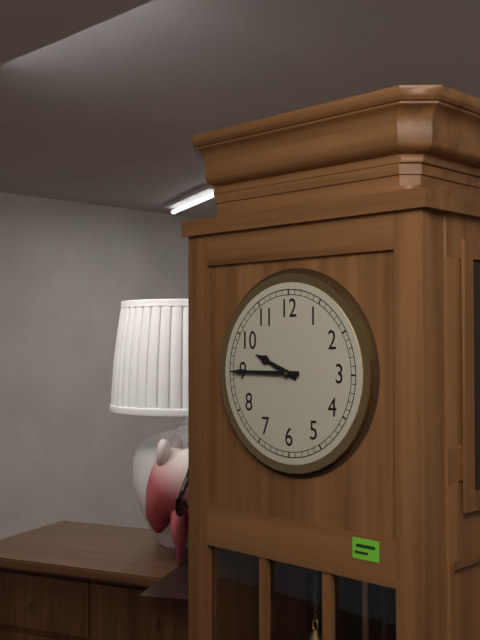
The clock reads {"hour": 9, "minute": 45}
